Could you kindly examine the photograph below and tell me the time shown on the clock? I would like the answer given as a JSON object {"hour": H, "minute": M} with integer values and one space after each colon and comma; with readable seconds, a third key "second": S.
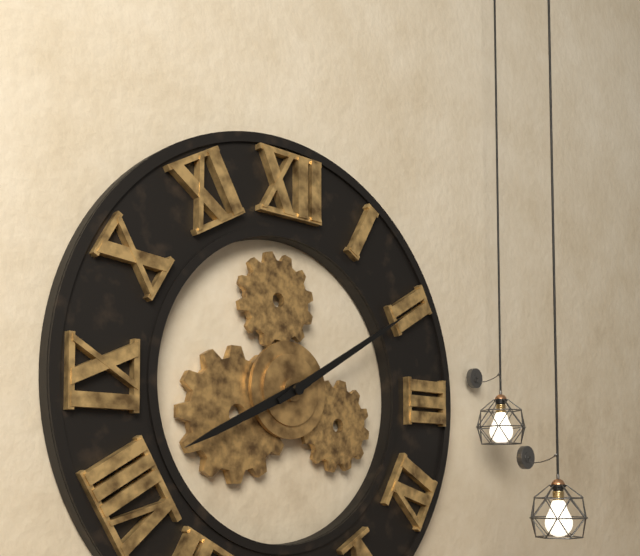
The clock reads {"hour": 8, "minute": 10}
